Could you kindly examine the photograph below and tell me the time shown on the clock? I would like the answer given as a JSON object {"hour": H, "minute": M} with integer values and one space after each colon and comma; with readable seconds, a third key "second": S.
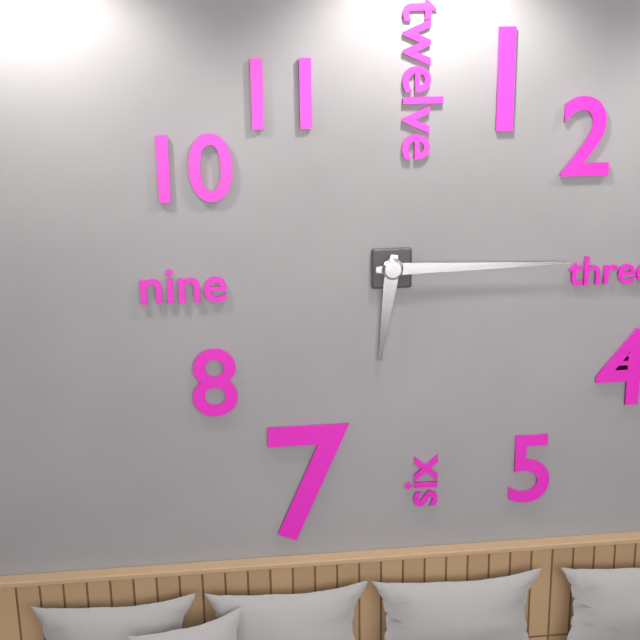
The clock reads {"hour": 6, "minute": 15}
